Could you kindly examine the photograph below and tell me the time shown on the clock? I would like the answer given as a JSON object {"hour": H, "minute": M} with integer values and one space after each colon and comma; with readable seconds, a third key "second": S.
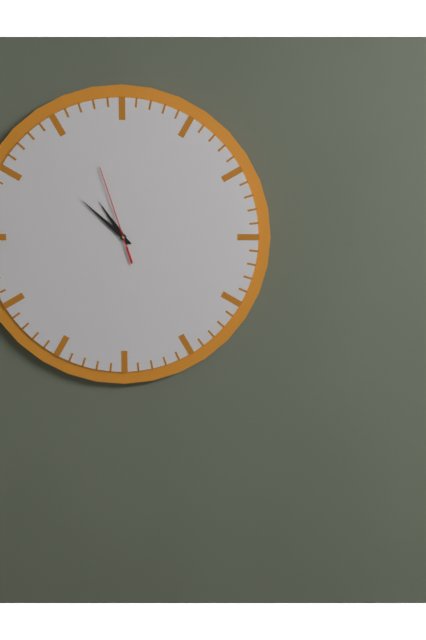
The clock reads {"hour": 10, "minute": 52, "second": 57}
